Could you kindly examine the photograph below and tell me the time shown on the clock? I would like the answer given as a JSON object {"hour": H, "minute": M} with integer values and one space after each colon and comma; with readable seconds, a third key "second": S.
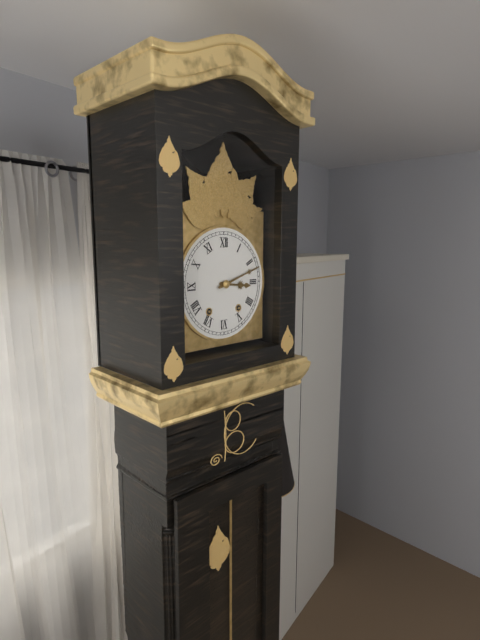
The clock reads {"hour": 3, "minute": 12}
